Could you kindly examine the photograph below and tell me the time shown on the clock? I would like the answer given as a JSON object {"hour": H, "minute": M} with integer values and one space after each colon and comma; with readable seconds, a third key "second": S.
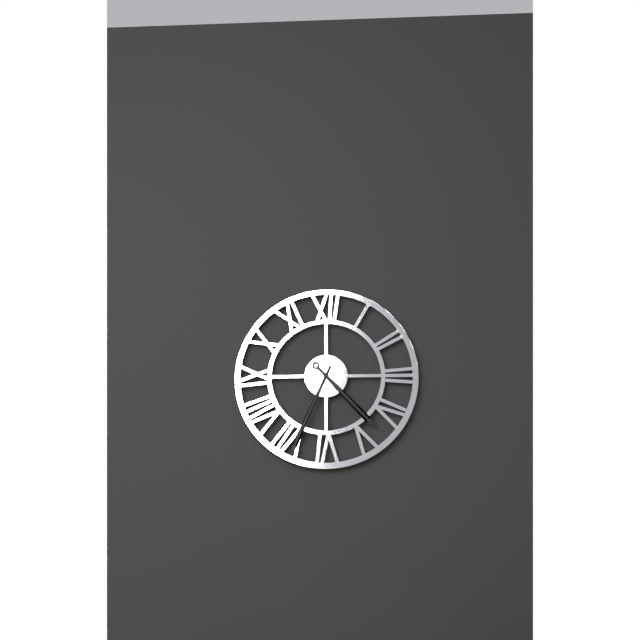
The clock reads {"hour": 4, "minute": 34}
